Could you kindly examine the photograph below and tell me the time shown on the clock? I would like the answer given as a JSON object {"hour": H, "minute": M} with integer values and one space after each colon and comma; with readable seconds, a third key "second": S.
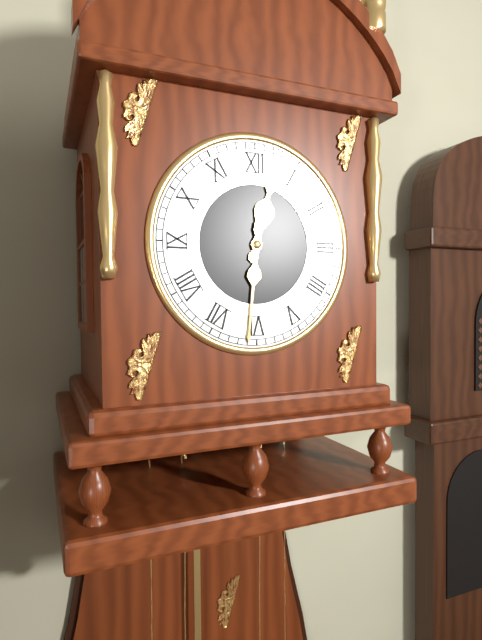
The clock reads {"hour": 12, "minute": 31}
